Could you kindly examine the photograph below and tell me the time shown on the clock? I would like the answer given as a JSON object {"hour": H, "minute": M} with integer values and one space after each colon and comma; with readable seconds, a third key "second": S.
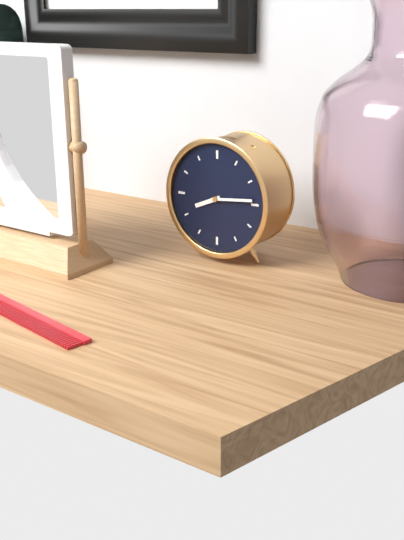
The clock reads {"hour": 8, "minute": 14}
